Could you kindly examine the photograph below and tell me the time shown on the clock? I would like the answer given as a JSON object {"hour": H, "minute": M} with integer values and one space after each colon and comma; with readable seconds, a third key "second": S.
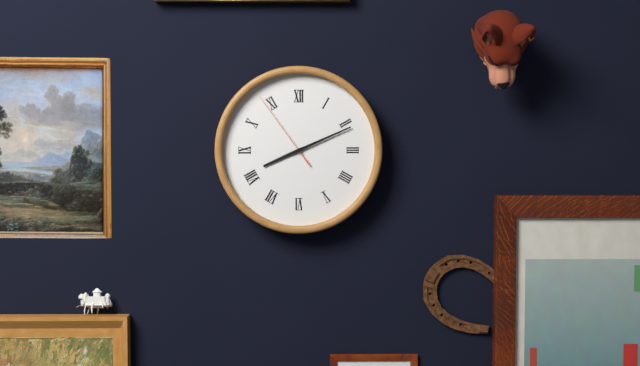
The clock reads {"hour": 8, "minute": 11, "second": 54}
